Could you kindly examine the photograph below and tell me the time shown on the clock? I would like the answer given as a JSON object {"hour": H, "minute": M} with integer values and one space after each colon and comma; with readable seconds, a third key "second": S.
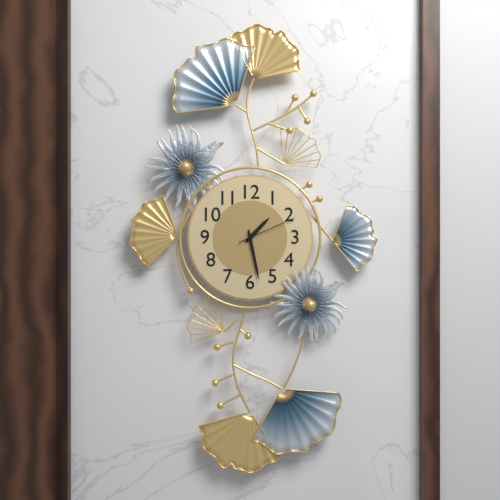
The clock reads {"hour": 1, "minute": 28, "second": 11}
